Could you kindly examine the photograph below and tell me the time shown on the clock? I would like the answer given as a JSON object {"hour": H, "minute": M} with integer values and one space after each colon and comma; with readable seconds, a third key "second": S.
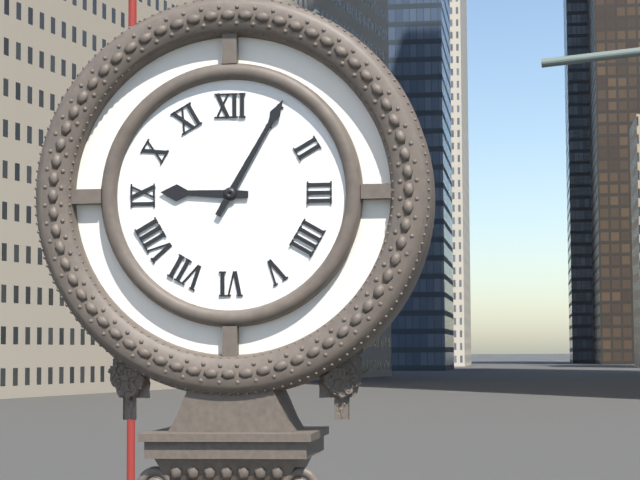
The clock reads {"hour": 9, "minute": 5}
